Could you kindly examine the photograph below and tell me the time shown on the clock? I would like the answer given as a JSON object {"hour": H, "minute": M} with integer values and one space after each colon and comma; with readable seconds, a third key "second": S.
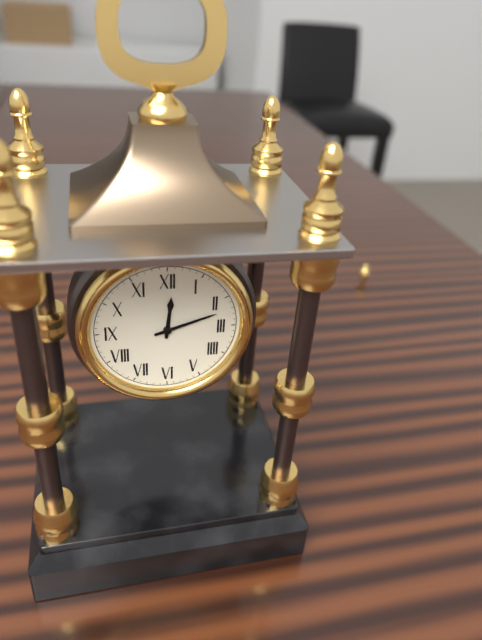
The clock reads {"hour": 12, "minute": 12}
